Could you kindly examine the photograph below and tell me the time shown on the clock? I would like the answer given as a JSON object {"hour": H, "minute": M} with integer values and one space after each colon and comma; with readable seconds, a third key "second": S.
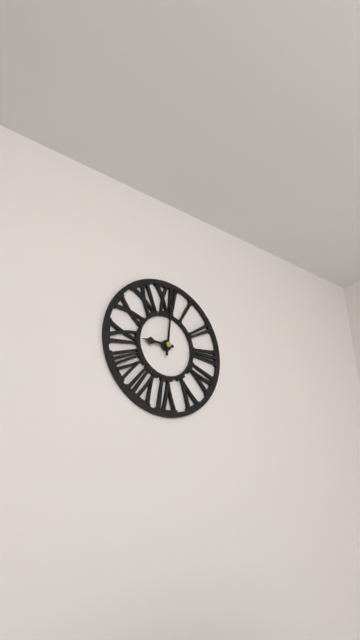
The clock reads {"hour": 9, "minute": 1}
